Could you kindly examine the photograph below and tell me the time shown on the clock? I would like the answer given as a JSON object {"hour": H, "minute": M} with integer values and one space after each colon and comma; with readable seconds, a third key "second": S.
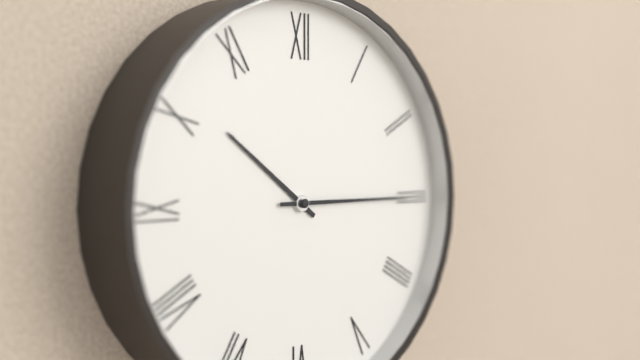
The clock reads {"hour": 10, "minute": 15}
